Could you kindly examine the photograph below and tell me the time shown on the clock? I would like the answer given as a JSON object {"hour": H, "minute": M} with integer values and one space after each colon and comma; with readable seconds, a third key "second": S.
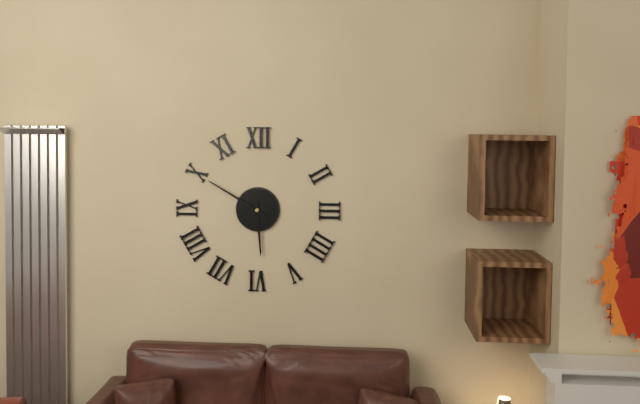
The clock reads {"hour": 5, "minute": 50}
